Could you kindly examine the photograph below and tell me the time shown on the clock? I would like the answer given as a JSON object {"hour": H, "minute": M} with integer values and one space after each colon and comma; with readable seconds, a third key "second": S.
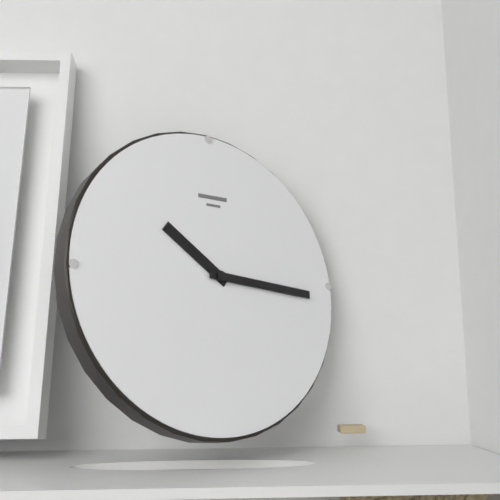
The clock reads {"hour": 10, "minute": 16}
